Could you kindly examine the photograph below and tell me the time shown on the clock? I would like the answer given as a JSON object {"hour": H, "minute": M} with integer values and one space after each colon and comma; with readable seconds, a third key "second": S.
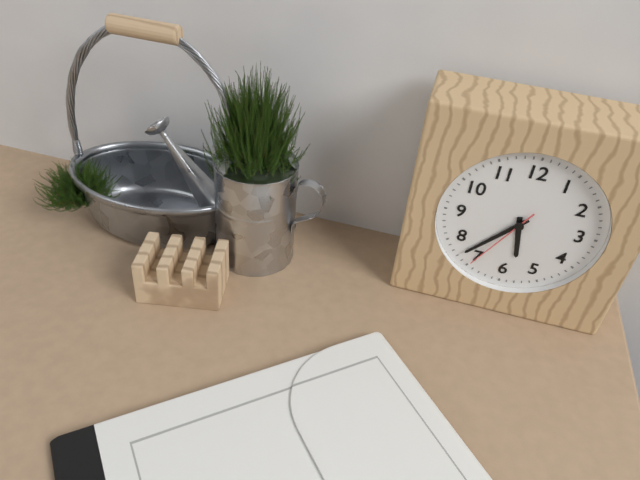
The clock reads {"hour": 5, "minute": 37, "second": 35}
